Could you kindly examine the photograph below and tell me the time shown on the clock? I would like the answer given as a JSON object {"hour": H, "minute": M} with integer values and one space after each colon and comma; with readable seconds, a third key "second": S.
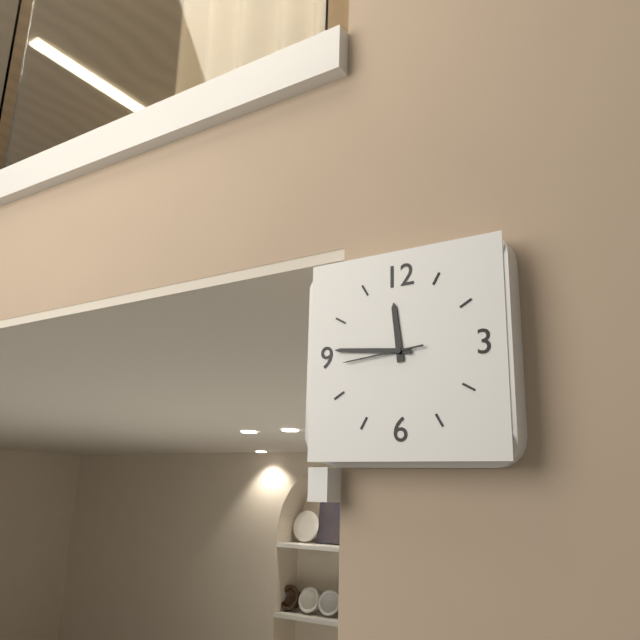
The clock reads {"hour": 11, "minute": 46, "second": 44}
